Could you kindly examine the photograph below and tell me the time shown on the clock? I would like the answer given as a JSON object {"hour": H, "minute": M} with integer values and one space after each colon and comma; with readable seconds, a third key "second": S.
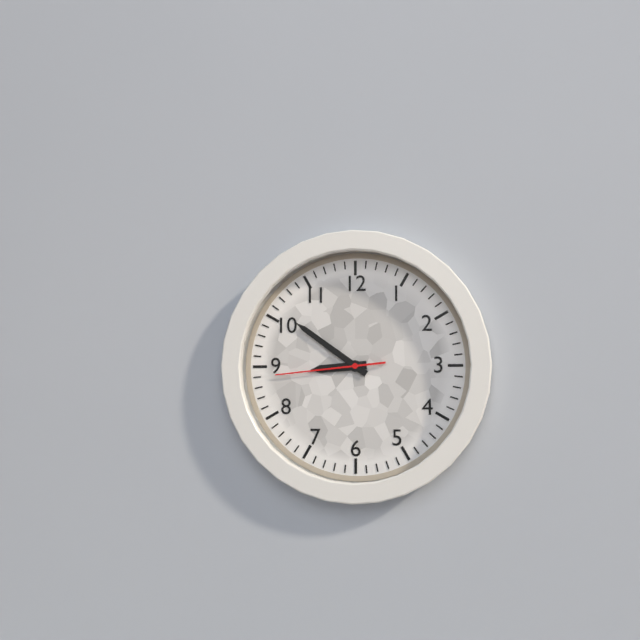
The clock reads {"hour": 8, "minute": 51, "second": 44}
